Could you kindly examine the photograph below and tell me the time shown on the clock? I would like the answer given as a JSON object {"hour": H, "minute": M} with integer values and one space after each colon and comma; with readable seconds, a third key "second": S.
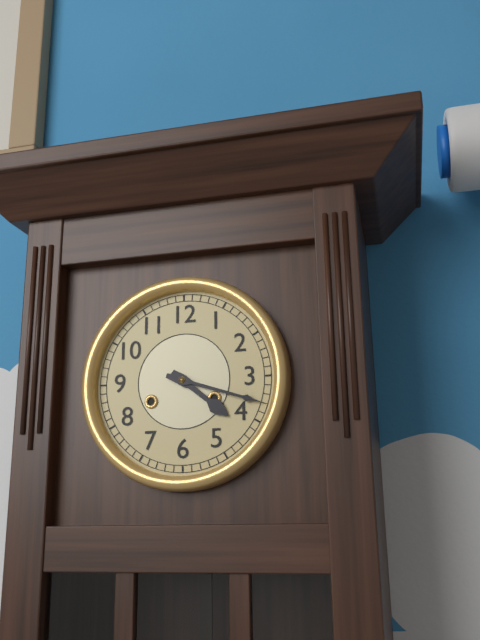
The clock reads {"hour": 4, "minute": 18}
